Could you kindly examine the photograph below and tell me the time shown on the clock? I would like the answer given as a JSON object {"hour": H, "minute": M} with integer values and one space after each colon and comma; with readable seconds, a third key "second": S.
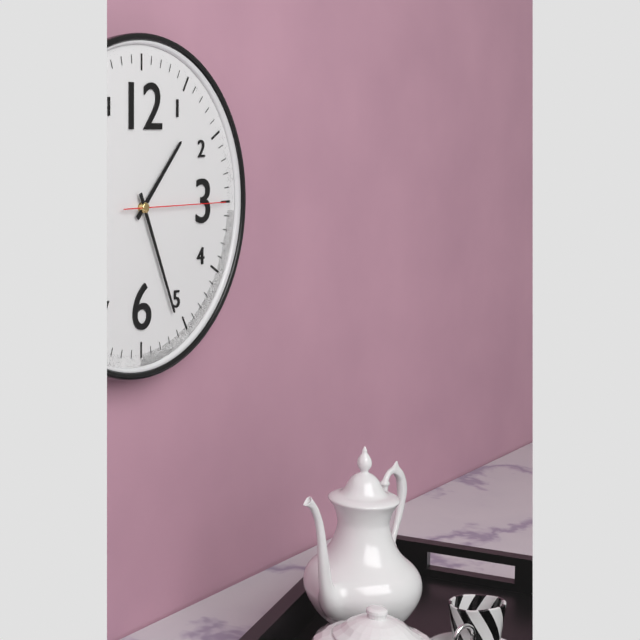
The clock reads {"hour": 1, "minute": 26, "second": 15}
